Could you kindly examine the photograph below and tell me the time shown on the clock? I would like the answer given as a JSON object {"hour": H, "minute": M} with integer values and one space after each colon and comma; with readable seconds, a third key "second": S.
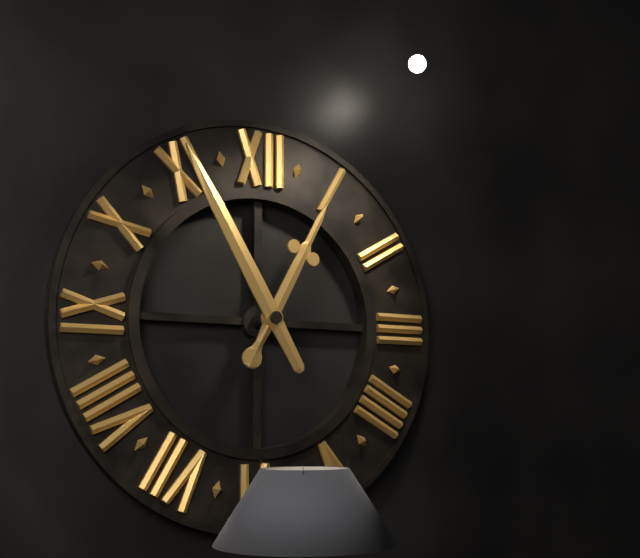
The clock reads {"hour": 12, "minute": 55}
